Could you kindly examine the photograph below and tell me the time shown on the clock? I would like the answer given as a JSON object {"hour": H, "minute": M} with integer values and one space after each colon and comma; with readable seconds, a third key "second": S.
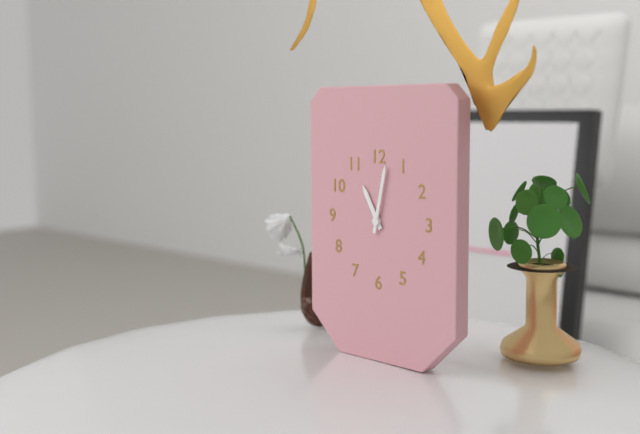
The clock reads {"hour": 11, "minute": 2}
